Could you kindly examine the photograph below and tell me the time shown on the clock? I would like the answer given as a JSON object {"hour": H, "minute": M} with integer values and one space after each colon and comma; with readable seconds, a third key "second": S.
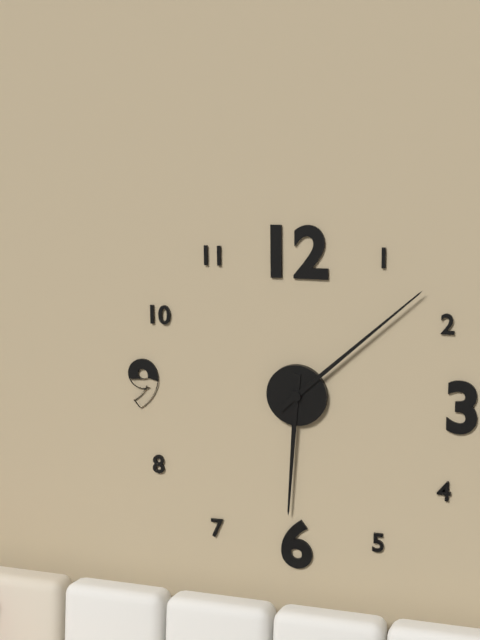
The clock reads {"hour": 6, "minute": 8}
